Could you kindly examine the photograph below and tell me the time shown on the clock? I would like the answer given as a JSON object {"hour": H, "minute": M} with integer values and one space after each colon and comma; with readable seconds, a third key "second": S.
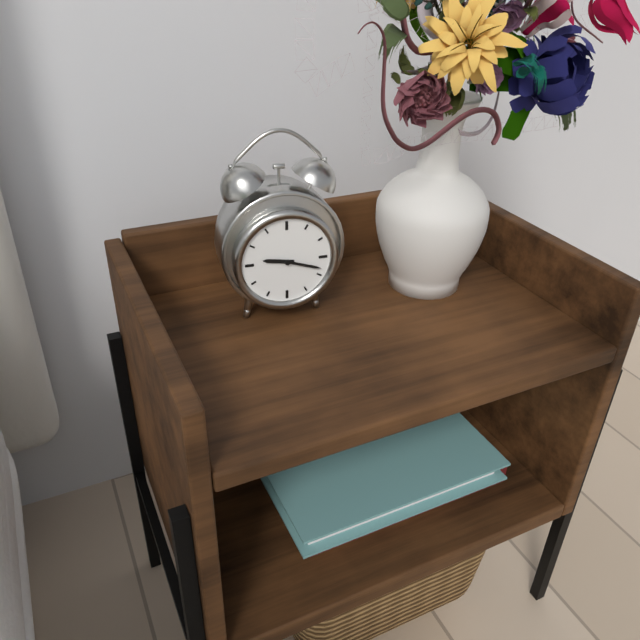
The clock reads {"hour": 9, "minute": 18}
